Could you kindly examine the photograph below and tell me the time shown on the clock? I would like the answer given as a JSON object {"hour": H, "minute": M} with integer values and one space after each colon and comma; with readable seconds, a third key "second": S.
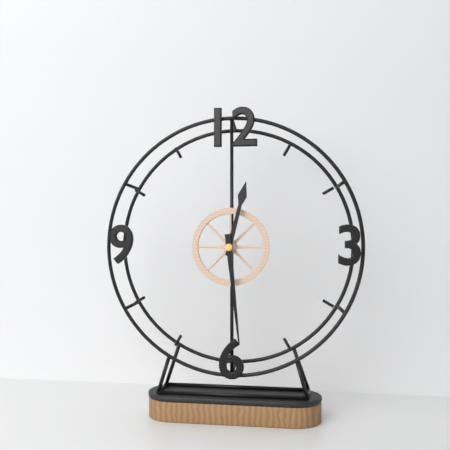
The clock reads {"hour": 12, "minute": 29}
